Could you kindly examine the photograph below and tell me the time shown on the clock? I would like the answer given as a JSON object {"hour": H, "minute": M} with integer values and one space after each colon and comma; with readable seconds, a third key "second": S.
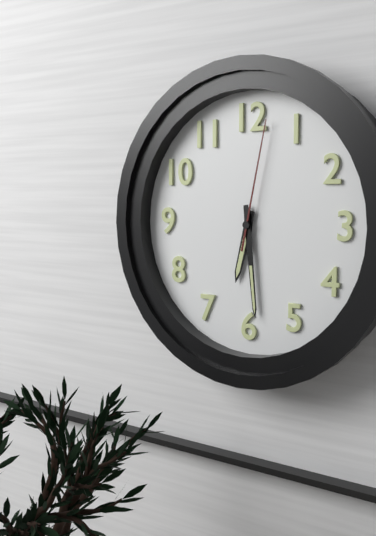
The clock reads {"hour": 6, "minute": 29, "second": 2}
